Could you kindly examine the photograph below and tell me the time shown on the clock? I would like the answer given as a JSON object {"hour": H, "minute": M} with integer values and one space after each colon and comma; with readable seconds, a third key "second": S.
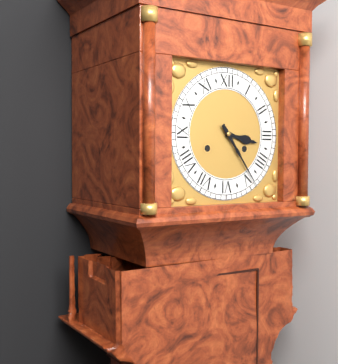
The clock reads {"hour": 3, "minute": 24}
